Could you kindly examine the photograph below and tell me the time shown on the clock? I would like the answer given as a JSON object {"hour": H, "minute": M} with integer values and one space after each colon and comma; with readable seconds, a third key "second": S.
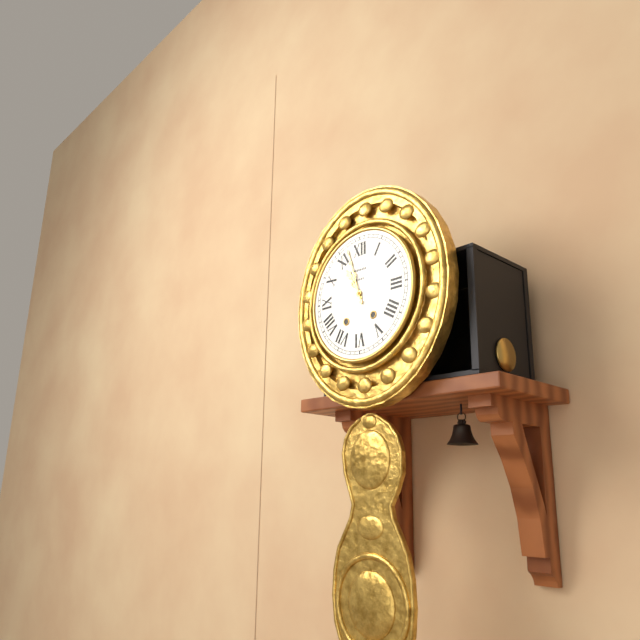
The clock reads {"hour": 10, "minute": 57}
